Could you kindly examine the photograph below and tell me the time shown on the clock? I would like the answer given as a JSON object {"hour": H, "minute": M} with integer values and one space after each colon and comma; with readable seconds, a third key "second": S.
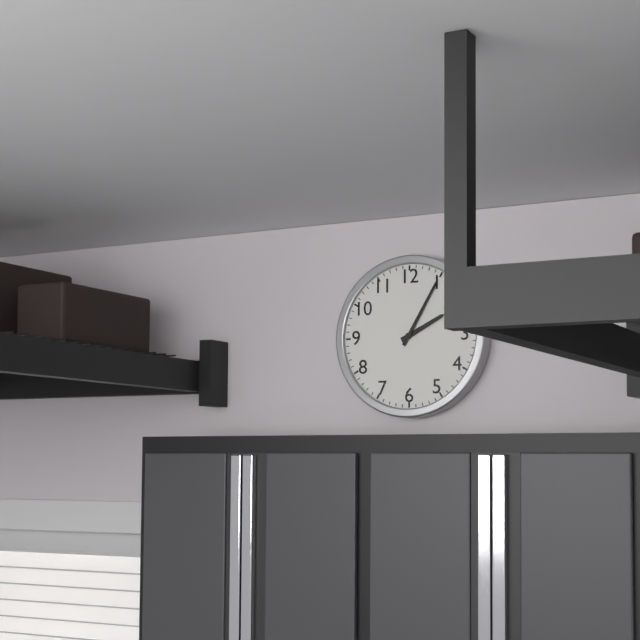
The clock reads {"hour": 2, "minute": 5}
